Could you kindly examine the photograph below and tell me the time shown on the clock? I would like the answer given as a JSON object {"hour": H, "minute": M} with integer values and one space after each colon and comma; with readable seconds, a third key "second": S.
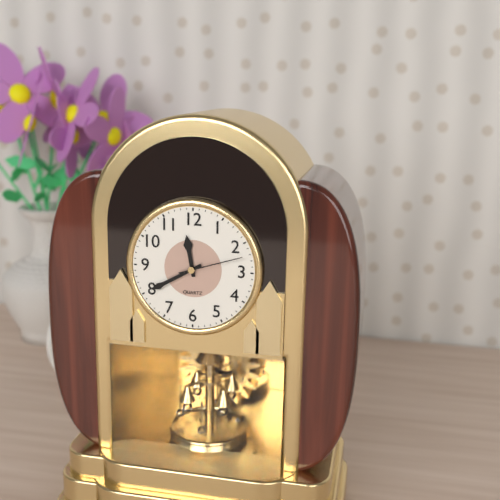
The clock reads {"hour": 11, "minute": 40, "second": 12}
